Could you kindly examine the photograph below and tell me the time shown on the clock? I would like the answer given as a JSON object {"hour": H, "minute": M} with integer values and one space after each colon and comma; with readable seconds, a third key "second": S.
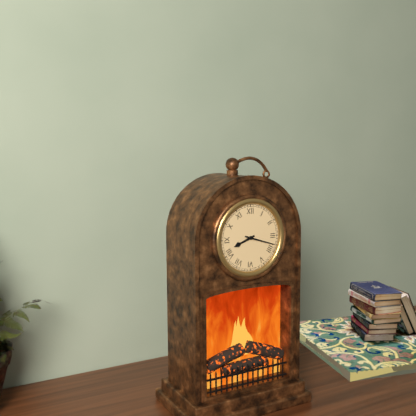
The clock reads {"hour": 8, "minute": 18}
